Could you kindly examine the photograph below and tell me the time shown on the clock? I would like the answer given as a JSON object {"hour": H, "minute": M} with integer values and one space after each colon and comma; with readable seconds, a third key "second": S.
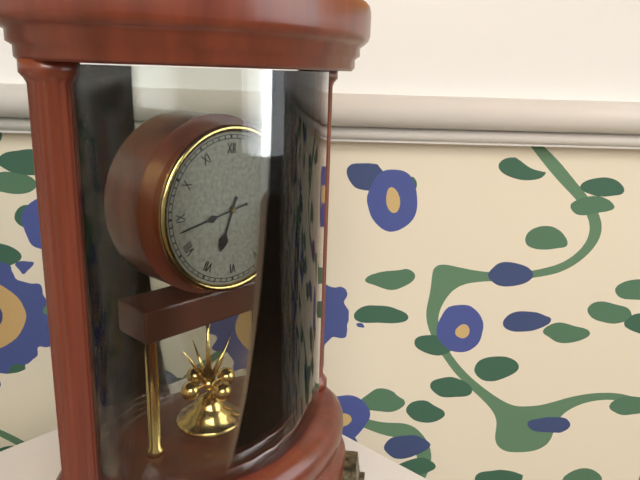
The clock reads {"hour": 6, "minute": 43}
